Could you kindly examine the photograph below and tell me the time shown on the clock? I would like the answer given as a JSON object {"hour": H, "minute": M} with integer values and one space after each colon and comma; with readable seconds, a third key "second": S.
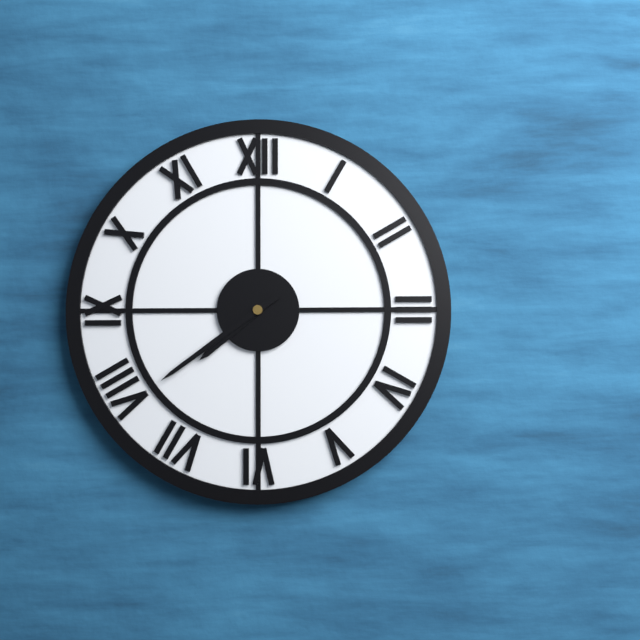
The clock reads {"hour": 7, "minute": 39}
